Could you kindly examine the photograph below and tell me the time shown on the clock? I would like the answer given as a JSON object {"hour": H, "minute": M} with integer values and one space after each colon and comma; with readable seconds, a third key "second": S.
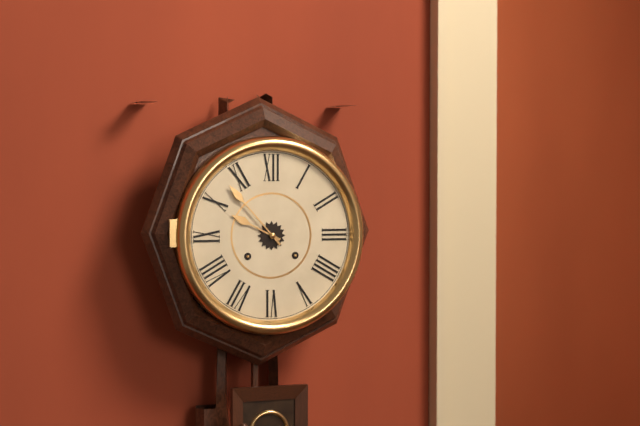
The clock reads {"hour": 9, "minute": 53}
